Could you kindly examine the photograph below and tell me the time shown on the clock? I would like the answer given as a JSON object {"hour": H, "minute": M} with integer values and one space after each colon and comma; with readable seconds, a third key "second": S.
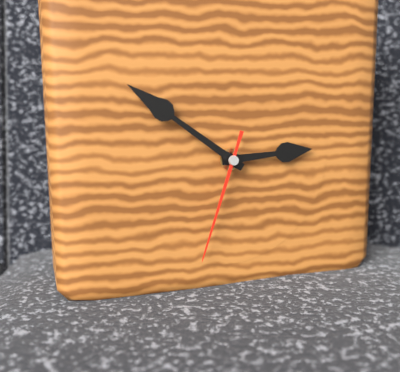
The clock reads {"hour": 2, "minute": 51, "second": 33}
